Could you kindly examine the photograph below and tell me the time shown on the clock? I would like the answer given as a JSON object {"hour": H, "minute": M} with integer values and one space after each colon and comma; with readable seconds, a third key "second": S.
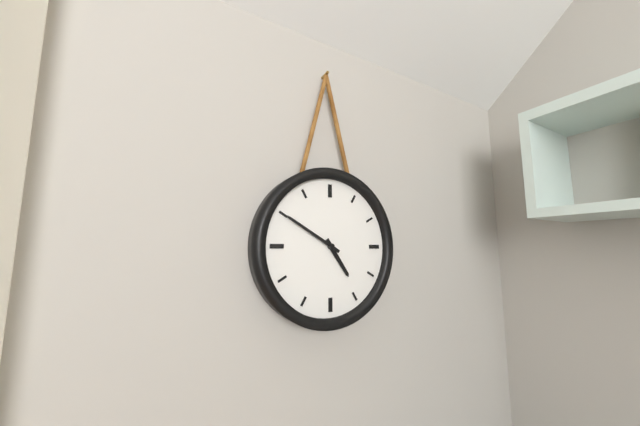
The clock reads {"hour": 4, "minute": 50}
